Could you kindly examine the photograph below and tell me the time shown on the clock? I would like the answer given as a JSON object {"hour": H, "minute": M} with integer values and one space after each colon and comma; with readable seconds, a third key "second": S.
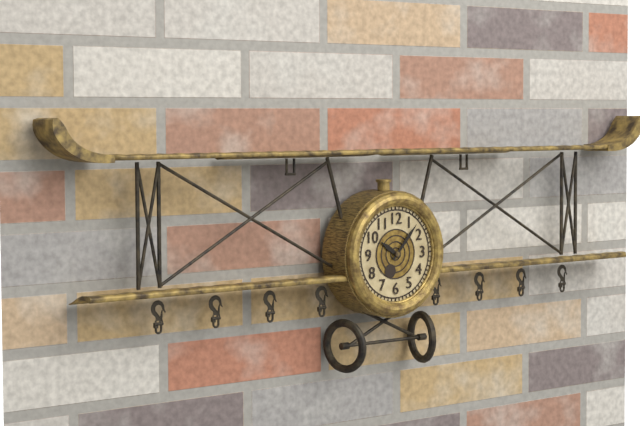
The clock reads {"hour": 10, "minute": 7}
